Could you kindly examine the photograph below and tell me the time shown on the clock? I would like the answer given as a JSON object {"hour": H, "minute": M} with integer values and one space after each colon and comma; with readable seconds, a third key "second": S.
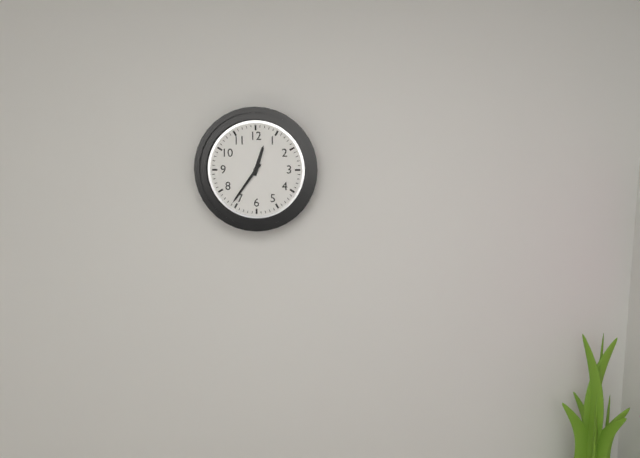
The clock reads {"hour": 12, "minute": 36}
